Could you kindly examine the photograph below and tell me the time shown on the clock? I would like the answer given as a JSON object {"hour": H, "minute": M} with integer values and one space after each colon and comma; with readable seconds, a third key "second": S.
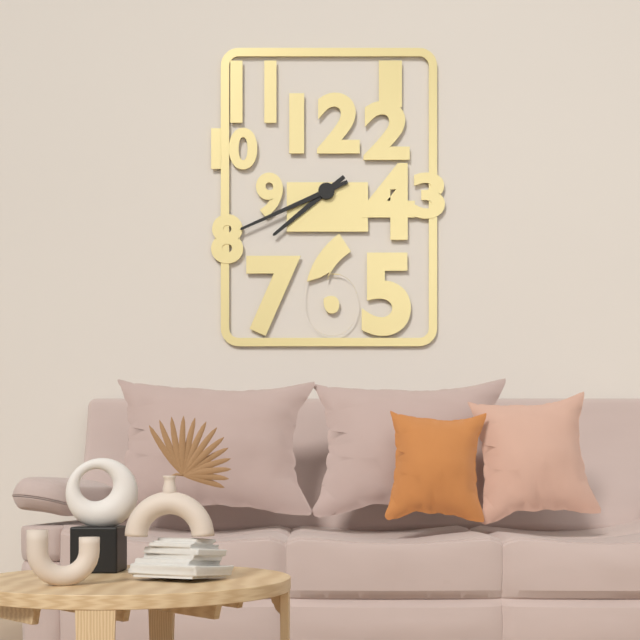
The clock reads {"hour": 7, "minute": 41}
